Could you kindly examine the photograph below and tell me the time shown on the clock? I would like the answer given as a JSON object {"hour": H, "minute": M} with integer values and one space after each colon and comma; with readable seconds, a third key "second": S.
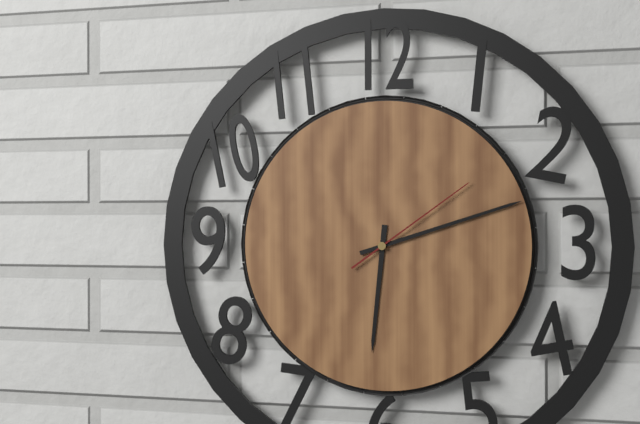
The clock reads {"hour": 6, "minute": 12, "second": 9}
